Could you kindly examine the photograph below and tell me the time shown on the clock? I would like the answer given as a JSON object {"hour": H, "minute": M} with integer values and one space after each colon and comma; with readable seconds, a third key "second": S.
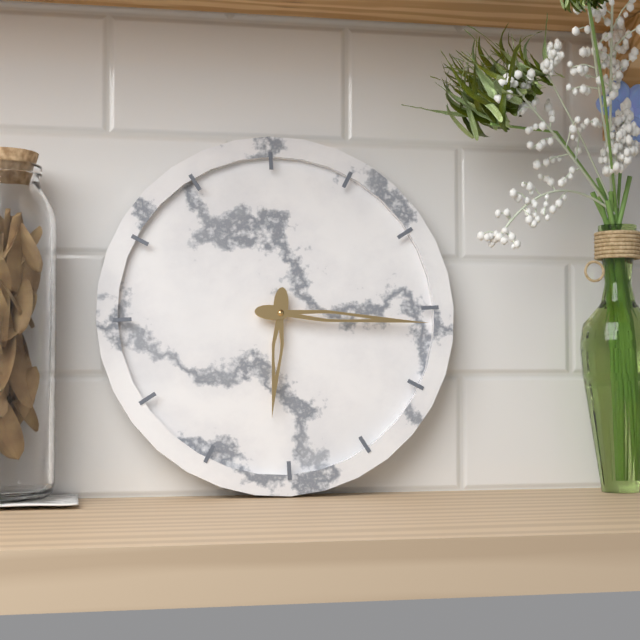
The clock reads {"hour": 6, "minute": 16}
